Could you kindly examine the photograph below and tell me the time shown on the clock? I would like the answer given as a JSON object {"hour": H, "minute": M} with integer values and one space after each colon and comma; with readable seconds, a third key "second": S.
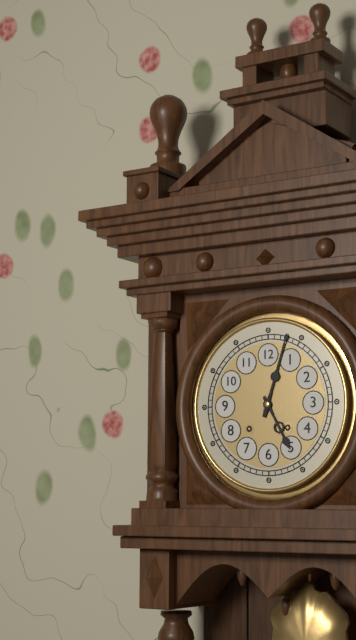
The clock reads {"hour": 5, "minute": 3}
